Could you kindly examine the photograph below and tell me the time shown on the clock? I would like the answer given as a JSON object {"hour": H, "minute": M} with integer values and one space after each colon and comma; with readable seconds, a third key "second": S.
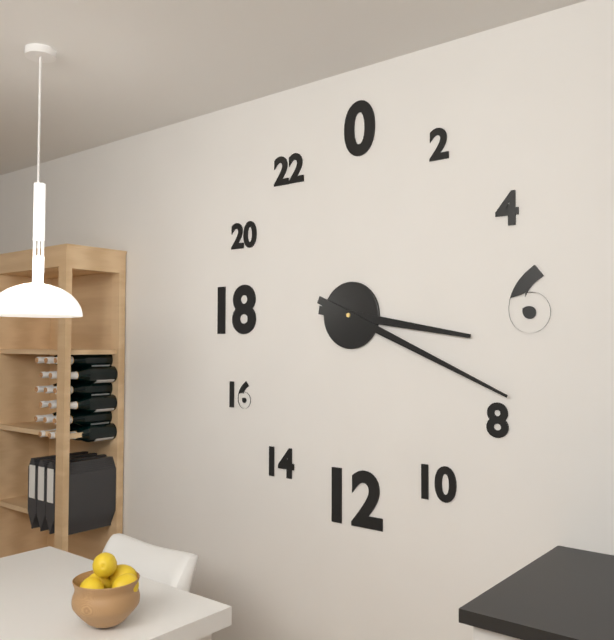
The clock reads {"hour": 3, "minute": 19}
